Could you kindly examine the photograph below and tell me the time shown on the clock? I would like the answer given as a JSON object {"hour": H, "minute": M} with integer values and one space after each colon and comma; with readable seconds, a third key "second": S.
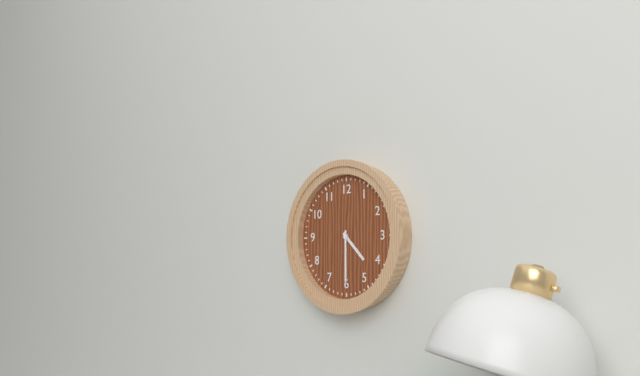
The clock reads {"hour": 4, "minute": 30}
